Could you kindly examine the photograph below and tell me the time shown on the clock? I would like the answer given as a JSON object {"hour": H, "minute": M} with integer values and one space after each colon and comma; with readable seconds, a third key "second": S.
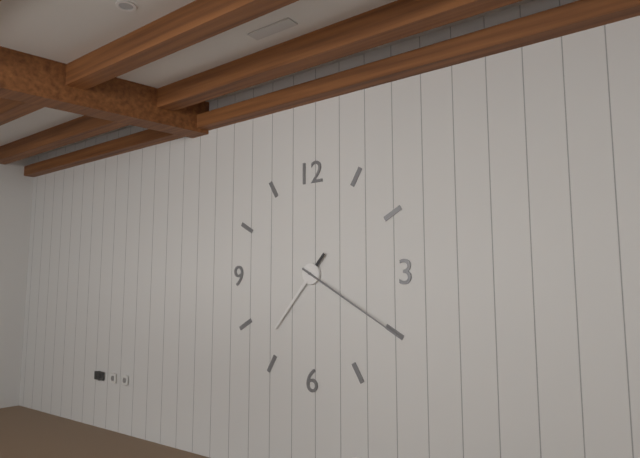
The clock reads {"hour": 7, "minute": 20}
